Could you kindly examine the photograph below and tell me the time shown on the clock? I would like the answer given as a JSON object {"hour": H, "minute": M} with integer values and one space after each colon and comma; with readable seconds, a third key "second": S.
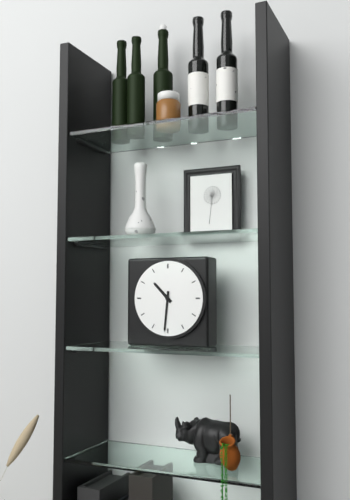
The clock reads {"hour": 10, "minute": 31}
